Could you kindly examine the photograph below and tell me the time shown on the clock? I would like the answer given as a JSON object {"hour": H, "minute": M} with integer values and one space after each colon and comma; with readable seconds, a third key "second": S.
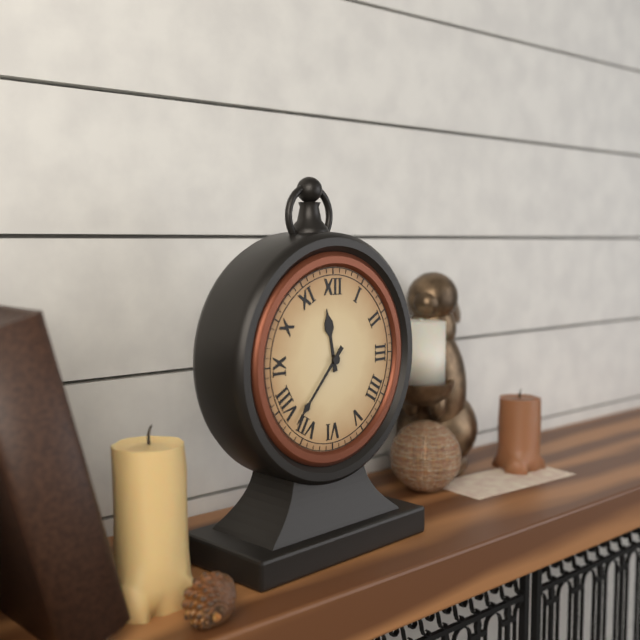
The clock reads {"hour": 11, "minute": 37}
